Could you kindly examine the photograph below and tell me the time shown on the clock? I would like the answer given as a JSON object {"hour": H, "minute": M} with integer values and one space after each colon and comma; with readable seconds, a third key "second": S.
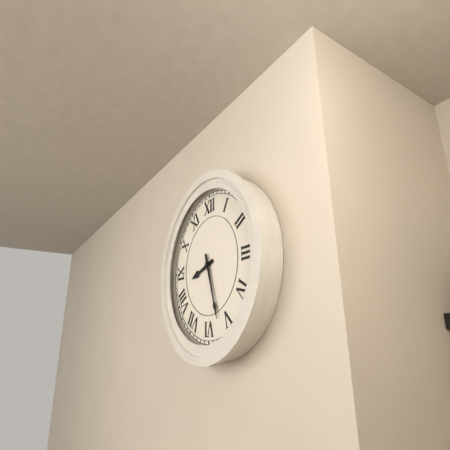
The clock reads {"hour": 8, "minute": 27}
